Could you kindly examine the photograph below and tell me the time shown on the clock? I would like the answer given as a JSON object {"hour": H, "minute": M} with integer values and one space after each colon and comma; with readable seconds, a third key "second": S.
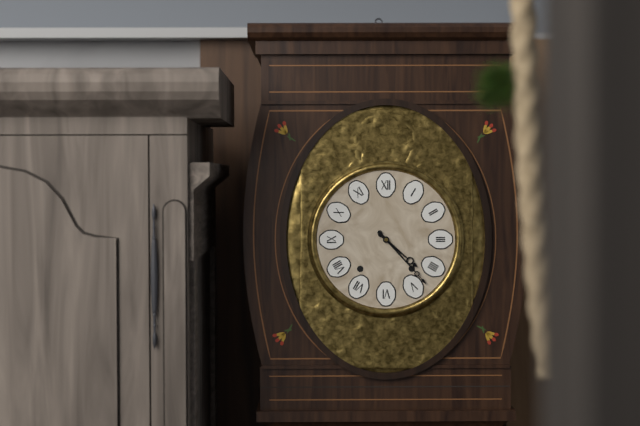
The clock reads {"hour": 4, "minute": 23}
